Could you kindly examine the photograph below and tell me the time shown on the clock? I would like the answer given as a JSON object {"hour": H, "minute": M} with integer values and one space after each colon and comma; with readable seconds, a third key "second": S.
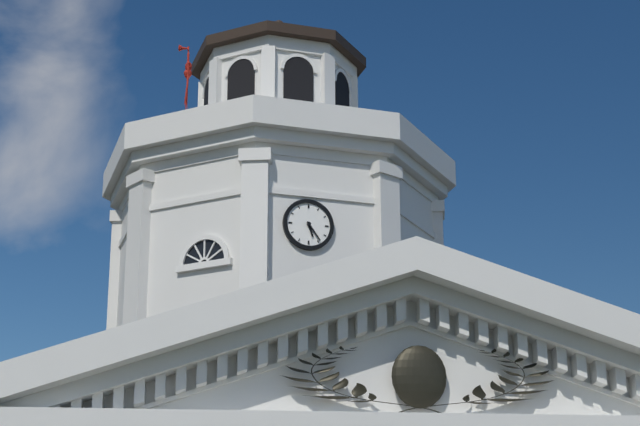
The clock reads {"hour": 5, "minute": 24}
